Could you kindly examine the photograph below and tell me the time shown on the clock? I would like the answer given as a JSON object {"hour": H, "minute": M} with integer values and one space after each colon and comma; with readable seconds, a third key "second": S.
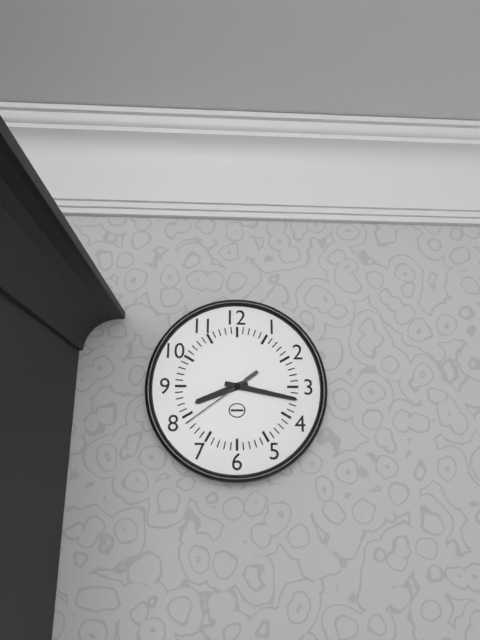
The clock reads {"hour": 8, "minute": 17, "second": 39}
